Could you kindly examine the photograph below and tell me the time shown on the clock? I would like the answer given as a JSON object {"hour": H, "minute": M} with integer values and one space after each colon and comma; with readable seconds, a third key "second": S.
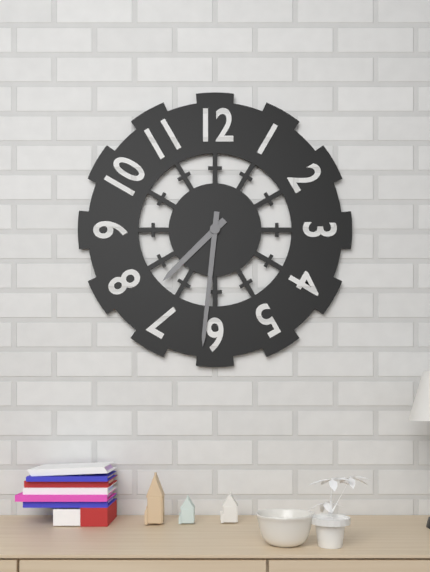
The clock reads {"hour": 7, "minute": 31}
